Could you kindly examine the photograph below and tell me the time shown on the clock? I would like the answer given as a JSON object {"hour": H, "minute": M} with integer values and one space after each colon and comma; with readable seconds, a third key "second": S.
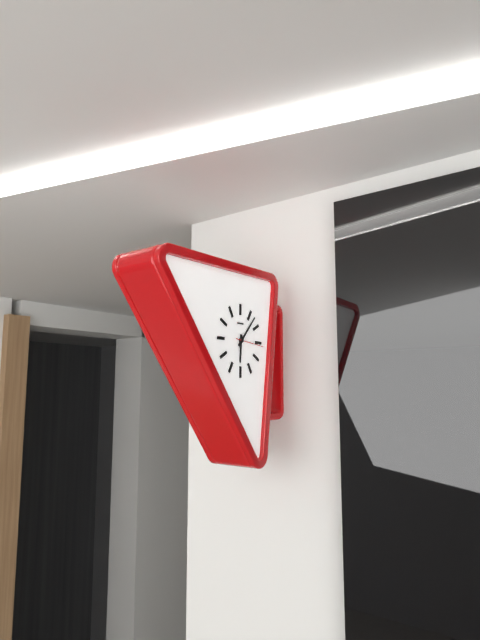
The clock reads {"hour": 6, "minute": 7}
